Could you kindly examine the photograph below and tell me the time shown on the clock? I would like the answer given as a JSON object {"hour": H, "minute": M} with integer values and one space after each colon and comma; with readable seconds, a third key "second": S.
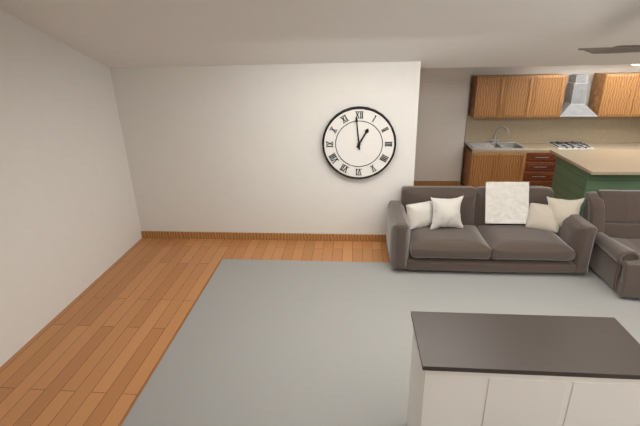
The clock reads {"hour": 12, "minute": 59}
